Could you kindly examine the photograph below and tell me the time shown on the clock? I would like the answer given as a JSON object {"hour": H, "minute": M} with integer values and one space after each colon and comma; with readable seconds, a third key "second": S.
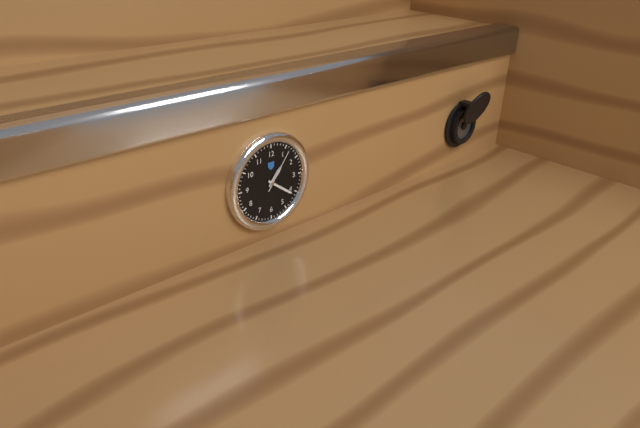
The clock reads {"hour": 1, "minute": 21}
